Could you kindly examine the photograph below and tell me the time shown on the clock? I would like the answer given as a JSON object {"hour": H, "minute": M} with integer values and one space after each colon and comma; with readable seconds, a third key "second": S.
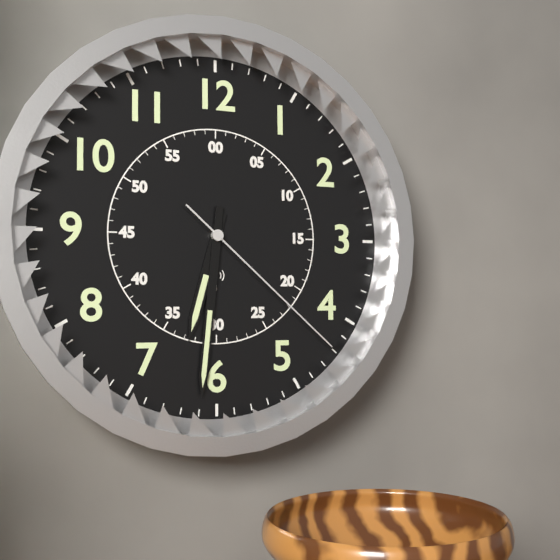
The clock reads {"hour": 6, "minute": 31, "second": 22}
